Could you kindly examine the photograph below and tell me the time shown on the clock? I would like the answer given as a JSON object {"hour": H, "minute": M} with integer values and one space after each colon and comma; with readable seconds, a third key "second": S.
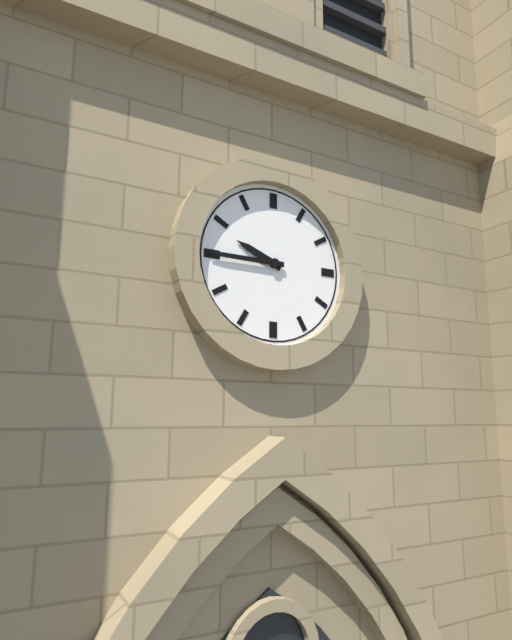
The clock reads {"hour": 9, "minute": 45}
